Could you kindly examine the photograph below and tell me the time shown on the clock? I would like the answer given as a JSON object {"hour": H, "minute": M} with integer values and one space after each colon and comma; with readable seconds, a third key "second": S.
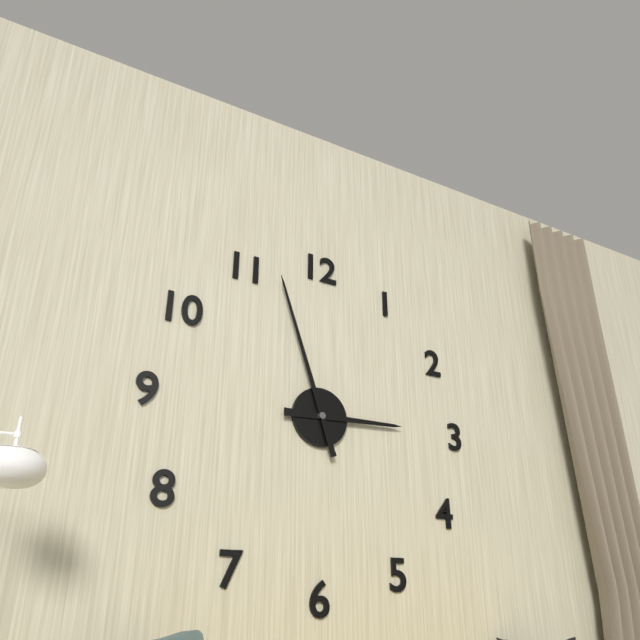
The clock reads {"hour": 2, "minute": 57}
